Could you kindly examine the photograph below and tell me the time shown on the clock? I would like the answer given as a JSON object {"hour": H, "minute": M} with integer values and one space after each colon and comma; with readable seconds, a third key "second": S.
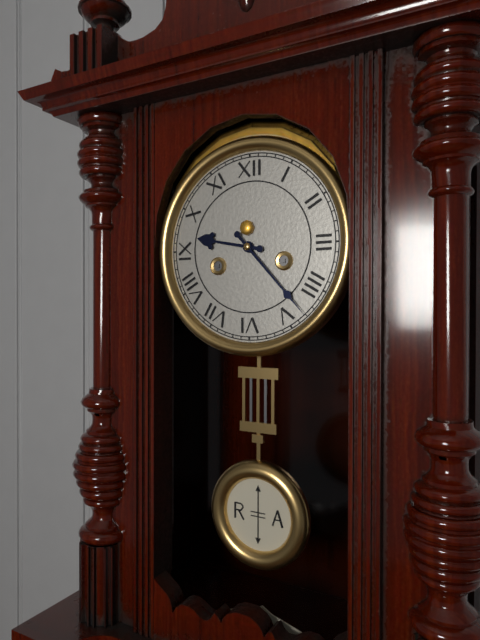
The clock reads {"hour": 9, "minute": 23}
